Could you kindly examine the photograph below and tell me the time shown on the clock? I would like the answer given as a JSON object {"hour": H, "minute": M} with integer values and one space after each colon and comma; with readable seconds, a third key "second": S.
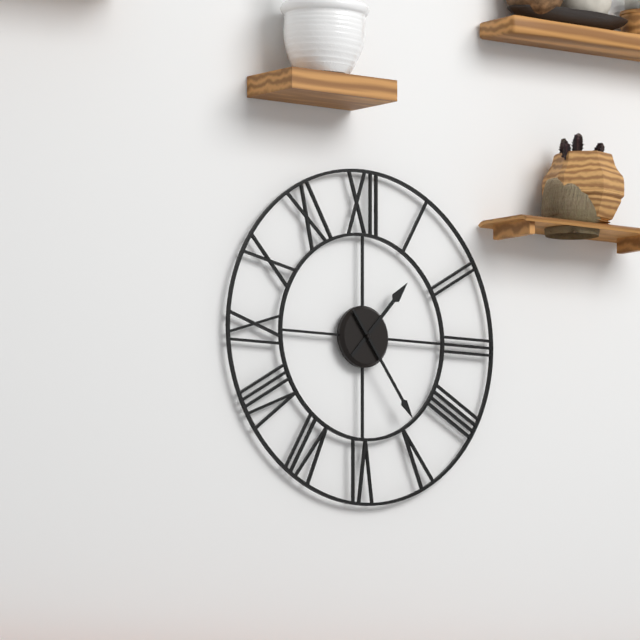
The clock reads {"hour": 1, "minute": 24}
